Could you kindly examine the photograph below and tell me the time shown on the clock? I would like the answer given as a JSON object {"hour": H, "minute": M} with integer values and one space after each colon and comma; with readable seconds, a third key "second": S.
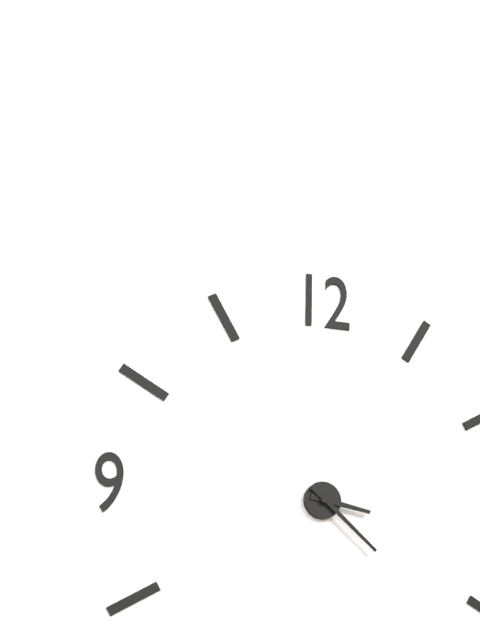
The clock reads {"hour": 3, "minute": 22}
